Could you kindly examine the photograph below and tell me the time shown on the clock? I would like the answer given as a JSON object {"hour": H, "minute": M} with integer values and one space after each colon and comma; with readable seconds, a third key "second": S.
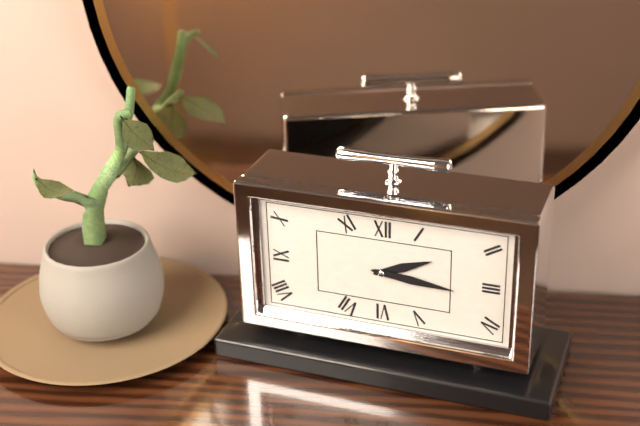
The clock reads {"hour": 2, "minute": 16}
